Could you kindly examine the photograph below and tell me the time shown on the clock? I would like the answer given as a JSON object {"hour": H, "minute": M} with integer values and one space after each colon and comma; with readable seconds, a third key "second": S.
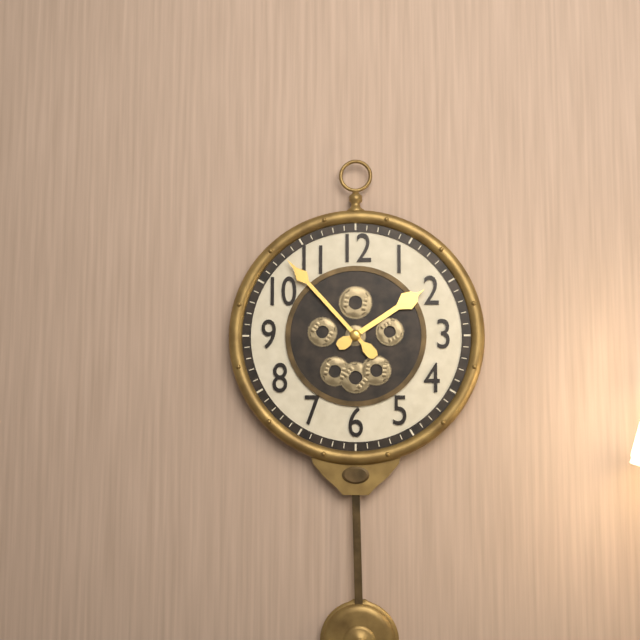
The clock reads {"hour": 1, "minute": 53}
